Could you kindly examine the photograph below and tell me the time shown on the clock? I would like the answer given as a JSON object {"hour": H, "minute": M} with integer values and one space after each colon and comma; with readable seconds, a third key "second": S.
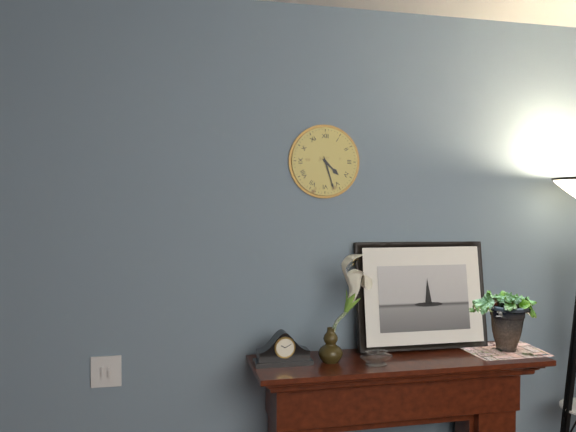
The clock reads {"hour": 4, "minute": 27}
